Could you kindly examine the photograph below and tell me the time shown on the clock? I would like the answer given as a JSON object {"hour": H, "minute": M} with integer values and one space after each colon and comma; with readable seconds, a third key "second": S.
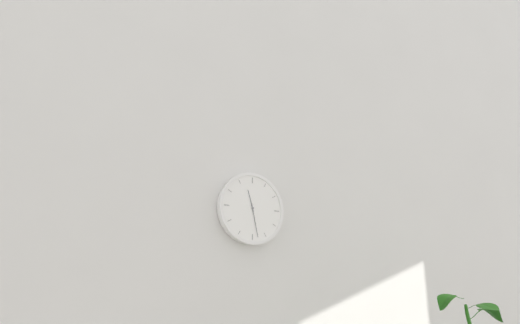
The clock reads {"hour": 11, "minute": 28}
